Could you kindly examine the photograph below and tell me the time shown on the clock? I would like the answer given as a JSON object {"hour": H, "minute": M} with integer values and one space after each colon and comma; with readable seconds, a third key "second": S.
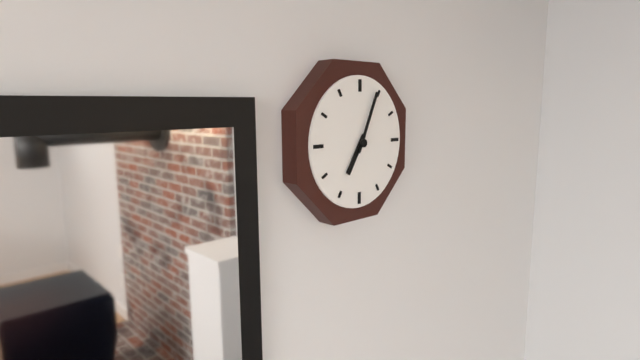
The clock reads {"hour": 7, "minute": 4}
